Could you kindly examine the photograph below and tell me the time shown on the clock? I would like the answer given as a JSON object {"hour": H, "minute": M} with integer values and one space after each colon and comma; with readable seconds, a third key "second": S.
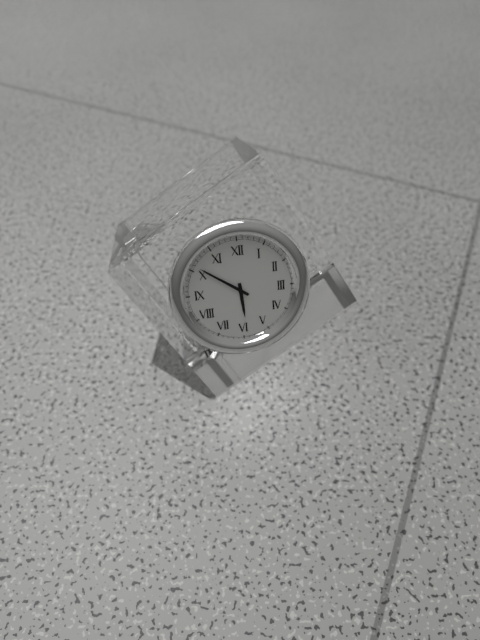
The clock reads {"hour": 5, "minute": 51}
